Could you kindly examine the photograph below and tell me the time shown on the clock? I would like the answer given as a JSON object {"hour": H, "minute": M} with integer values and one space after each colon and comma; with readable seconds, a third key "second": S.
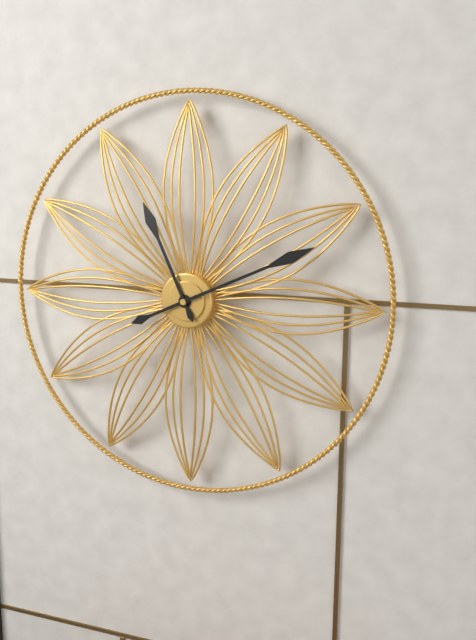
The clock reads {"hour": 11, "minute": 11}
